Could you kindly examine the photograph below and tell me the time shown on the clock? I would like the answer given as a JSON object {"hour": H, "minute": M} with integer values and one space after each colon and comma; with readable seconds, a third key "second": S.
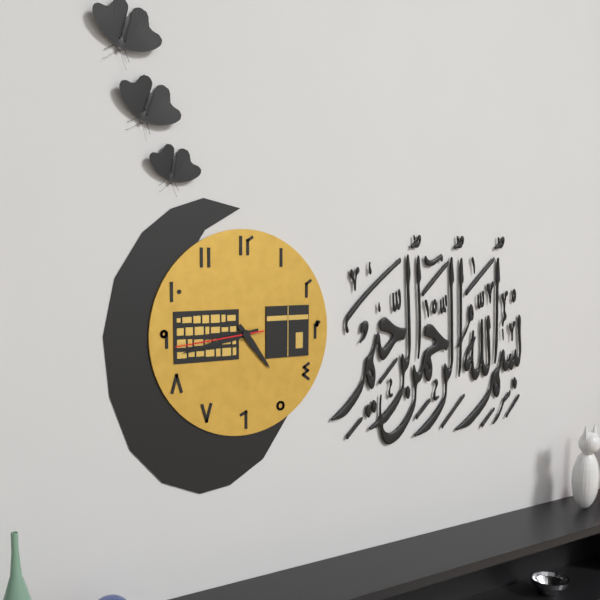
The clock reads {"hour": 4, "minute": 43, "second": 44}
